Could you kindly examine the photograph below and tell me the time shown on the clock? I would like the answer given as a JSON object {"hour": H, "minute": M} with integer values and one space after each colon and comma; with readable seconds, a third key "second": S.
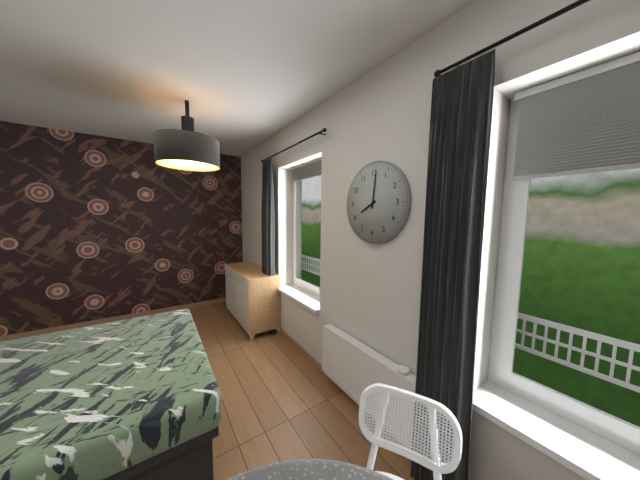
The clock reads {"hour": 8, "minute": 1}
